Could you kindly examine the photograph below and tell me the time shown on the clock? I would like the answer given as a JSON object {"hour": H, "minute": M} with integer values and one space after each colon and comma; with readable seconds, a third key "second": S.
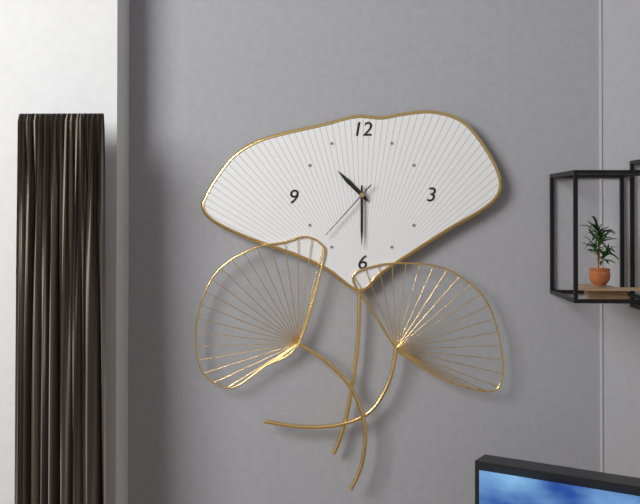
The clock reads {"hour": 10, "minute": 30, "second": 37}
